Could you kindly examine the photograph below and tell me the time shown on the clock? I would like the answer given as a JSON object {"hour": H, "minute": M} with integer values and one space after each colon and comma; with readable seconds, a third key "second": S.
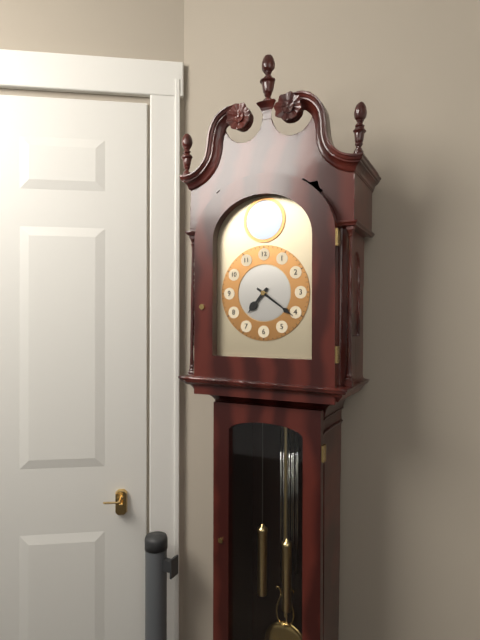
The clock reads {"hour": 7, "minute": 21}
